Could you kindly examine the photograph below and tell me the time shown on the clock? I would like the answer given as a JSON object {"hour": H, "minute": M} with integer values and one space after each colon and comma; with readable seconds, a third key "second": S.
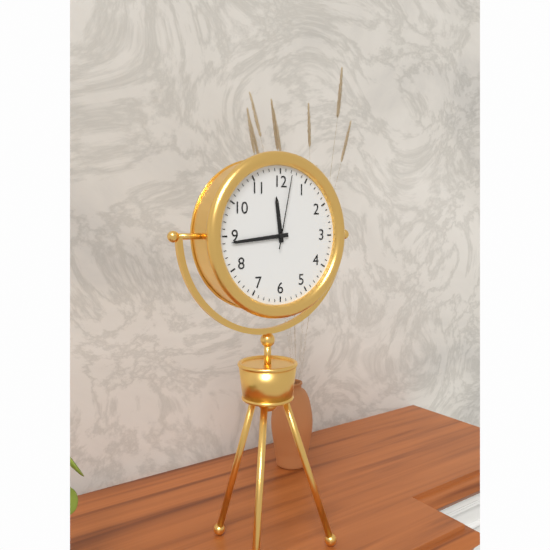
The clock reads {"hour": 11, "minute": 44, "second": 2}
